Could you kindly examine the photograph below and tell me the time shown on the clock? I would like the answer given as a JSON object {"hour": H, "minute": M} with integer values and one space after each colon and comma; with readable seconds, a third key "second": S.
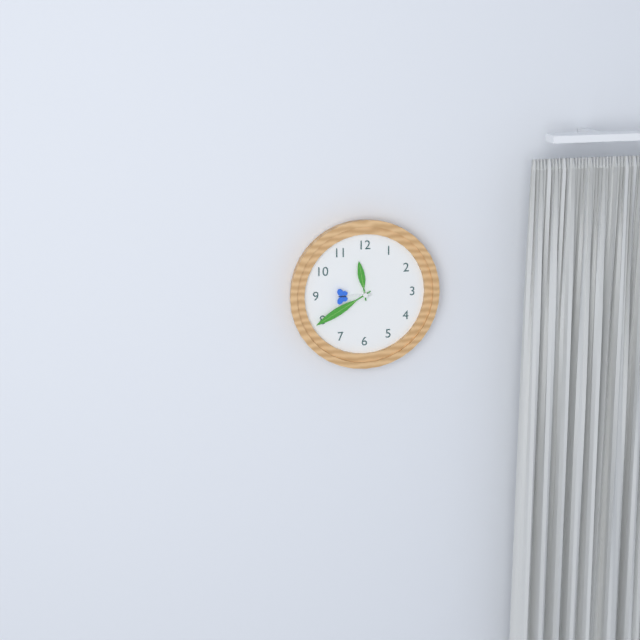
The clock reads {"hour": 11, "minute": 40}
